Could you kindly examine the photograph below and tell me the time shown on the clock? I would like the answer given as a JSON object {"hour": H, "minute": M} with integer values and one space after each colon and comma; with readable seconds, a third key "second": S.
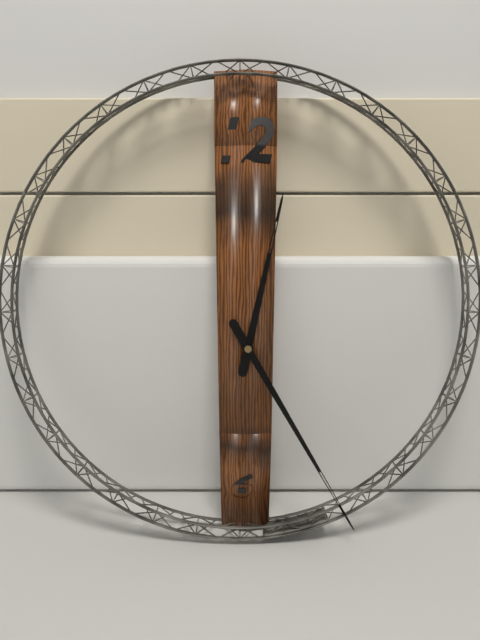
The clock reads {"hour": 12, "minute": 25}
